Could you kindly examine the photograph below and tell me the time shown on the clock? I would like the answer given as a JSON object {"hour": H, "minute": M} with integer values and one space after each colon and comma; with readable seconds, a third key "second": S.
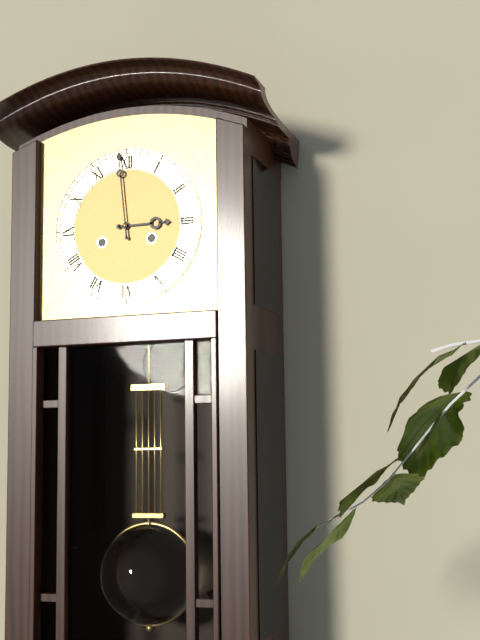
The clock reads {"hour": 2, "minute": 59}
